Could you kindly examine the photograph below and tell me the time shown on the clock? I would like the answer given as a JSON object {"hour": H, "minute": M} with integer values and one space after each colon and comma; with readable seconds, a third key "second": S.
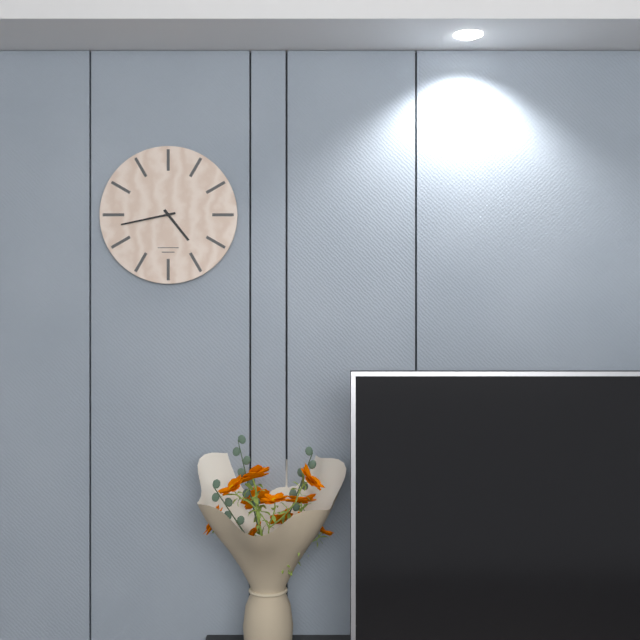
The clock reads {"hour": 4, "minute": 43}
